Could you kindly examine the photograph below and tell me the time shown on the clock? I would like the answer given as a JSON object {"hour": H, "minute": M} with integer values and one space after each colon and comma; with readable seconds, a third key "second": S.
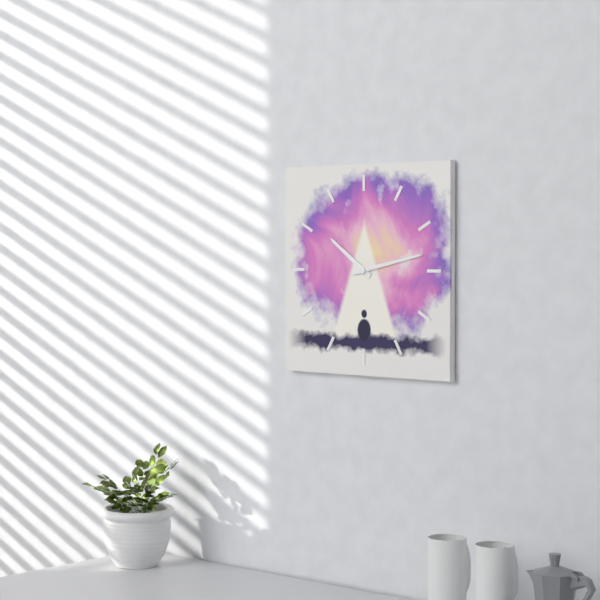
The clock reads {"hour": 10, "minute": 13}
